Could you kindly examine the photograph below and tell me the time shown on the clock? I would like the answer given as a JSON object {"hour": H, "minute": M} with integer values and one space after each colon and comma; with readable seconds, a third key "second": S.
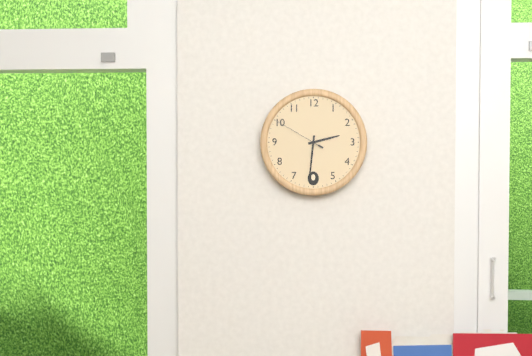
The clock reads {"hour": 2, "minute": 31, "second": 50}
